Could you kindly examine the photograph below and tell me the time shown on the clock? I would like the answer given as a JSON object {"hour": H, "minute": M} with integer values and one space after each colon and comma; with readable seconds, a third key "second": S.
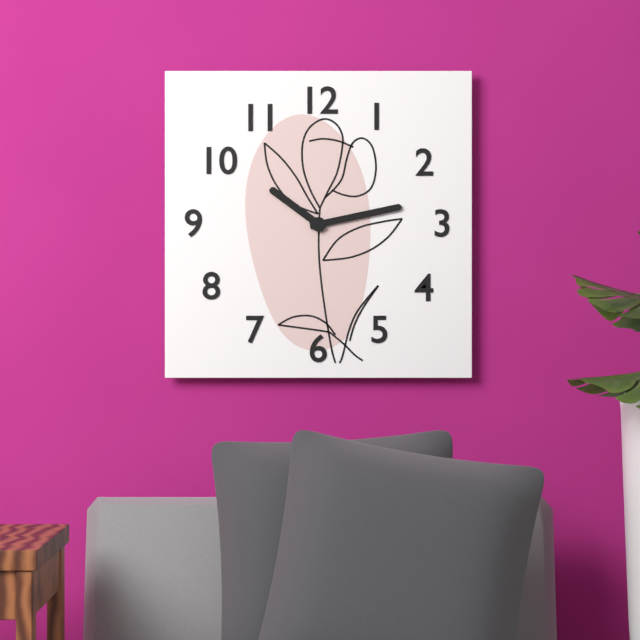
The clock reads {"hour": 10, "minute": 13}
